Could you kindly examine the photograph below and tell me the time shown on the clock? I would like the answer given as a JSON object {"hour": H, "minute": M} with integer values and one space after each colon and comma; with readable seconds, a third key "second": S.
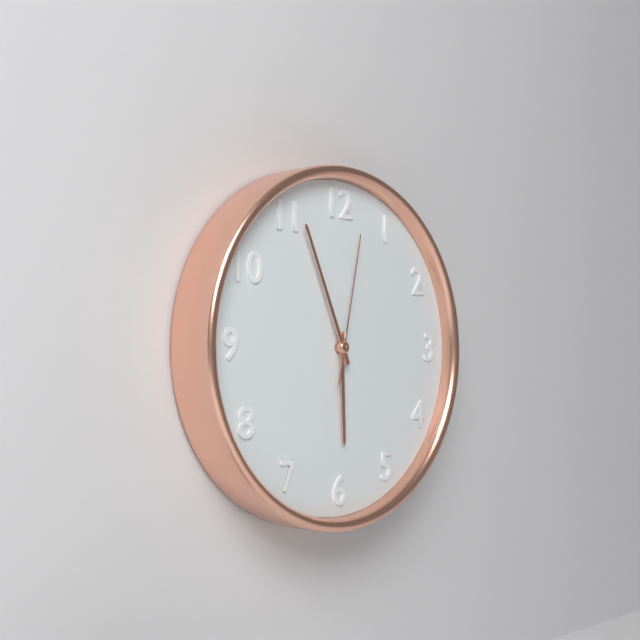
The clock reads {"hour": 5, "minute": 56, "second": 2}
